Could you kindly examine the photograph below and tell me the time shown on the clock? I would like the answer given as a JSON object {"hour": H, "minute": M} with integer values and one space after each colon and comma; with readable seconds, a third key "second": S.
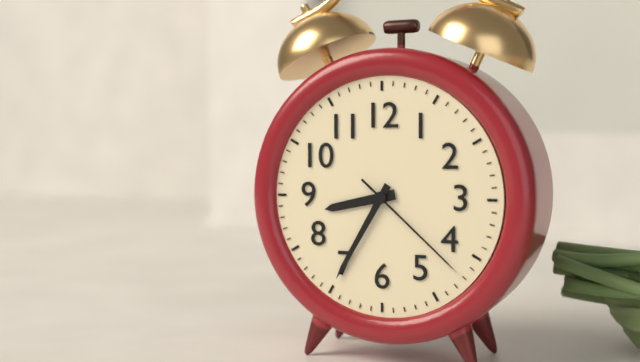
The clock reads {"hour": 8, "minute": 35, "second": 22}
